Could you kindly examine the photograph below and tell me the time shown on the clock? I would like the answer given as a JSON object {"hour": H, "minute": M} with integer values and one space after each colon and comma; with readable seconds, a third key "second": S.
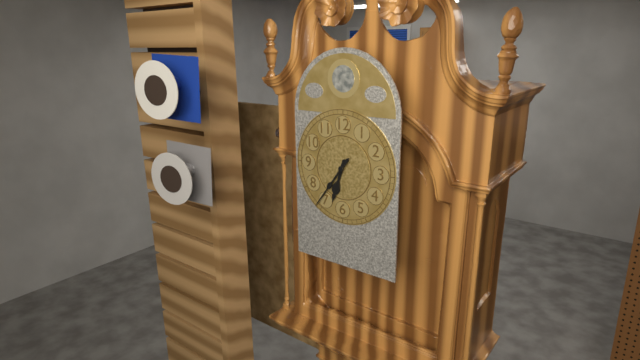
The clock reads {"hour": 6, "minute": 36}
